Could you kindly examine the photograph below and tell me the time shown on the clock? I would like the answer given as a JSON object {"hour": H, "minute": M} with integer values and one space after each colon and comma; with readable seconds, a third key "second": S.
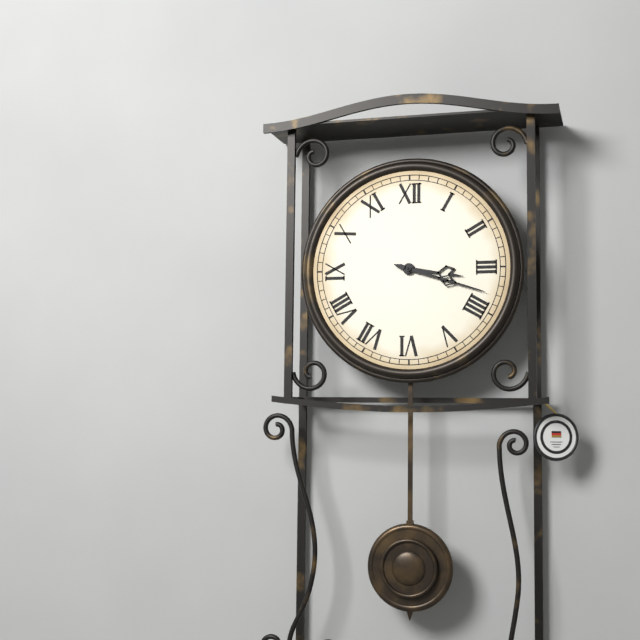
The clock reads {"hour": 3, "minute": 18}
